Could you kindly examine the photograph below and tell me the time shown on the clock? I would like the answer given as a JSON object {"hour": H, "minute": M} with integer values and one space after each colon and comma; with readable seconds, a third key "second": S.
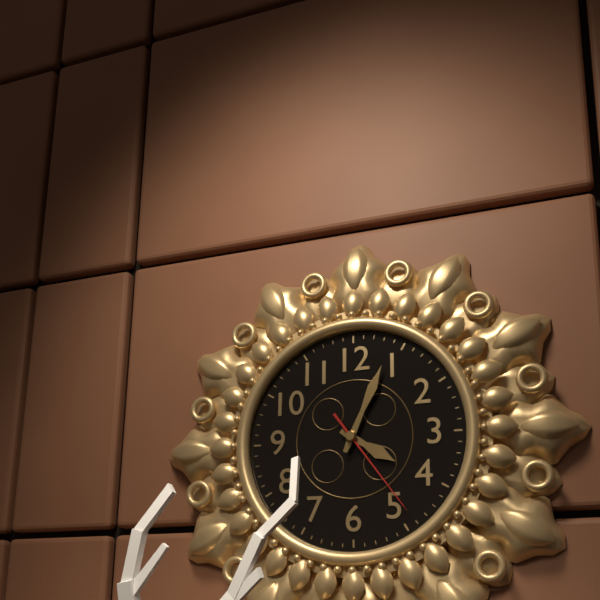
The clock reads {"hour": 4, "minute": 4, "second": 24}
